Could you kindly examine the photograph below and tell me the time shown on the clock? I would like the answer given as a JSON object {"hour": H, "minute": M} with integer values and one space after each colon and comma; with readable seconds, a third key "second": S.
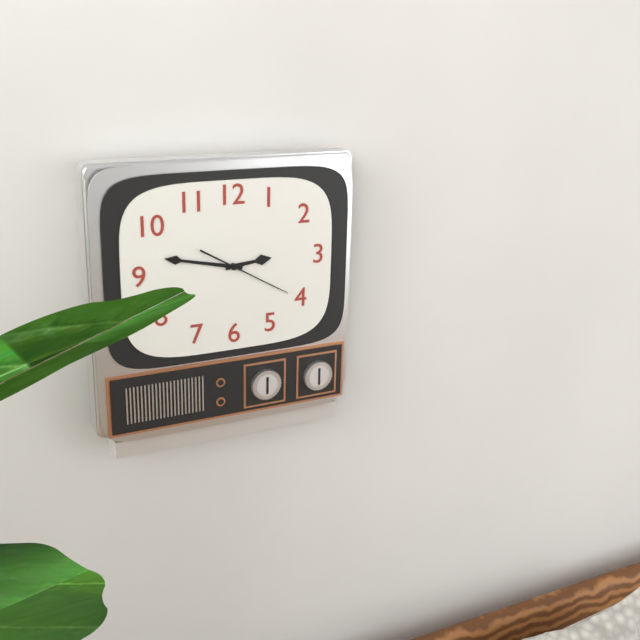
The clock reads {"hour": 2, "minute": 47, "second": 20}
